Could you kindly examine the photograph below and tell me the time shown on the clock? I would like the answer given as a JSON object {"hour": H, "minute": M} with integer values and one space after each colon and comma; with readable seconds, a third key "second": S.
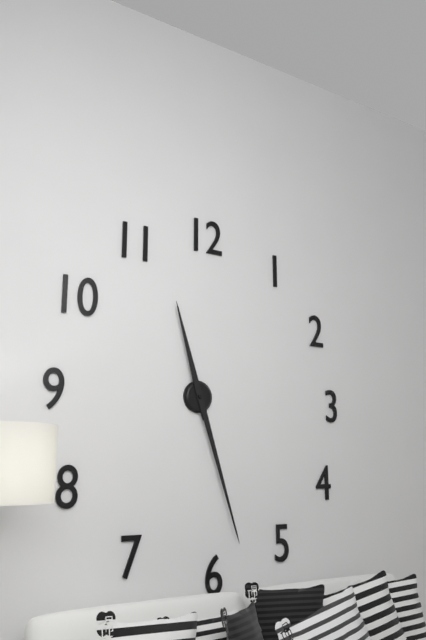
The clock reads {"hour": 11, "minute": 27}
